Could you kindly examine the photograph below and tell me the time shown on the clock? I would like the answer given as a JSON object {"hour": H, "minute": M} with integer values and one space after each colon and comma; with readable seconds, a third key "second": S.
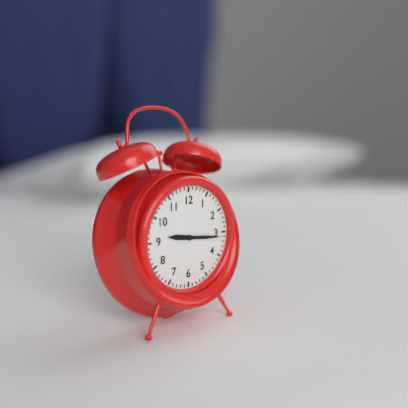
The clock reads {"hour": 9, "minute": 16}
